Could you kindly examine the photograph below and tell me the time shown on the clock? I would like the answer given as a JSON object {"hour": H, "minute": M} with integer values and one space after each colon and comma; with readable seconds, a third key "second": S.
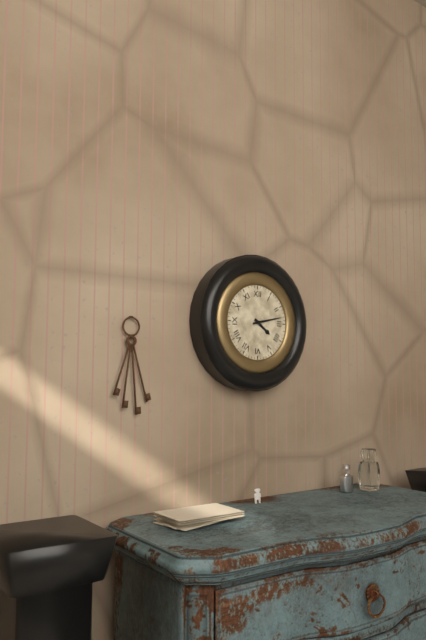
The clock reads {"hour": 4, "minute": 13}
